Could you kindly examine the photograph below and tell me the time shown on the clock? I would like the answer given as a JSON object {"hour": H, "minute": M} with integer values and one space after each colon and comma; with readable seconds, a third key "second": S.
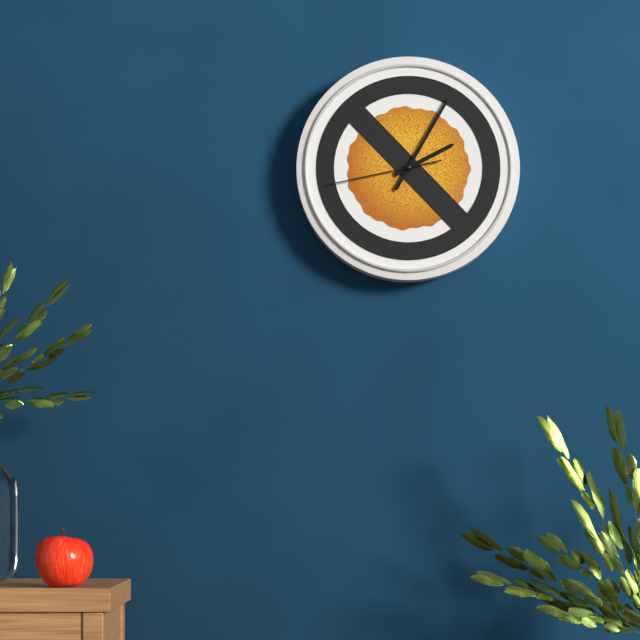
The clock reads {"hour": 2, "minute": 5, "second": 43}
